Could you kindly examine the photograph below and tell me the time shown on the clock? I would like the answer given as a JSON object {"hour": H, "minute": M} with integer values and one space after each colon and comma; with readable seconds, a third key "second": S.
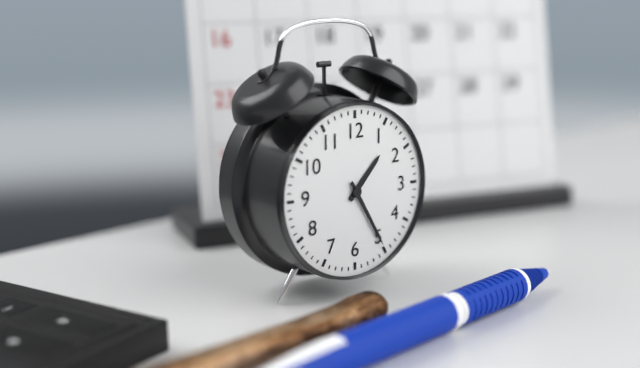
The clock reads {"hour": 1, "minute": 25}
